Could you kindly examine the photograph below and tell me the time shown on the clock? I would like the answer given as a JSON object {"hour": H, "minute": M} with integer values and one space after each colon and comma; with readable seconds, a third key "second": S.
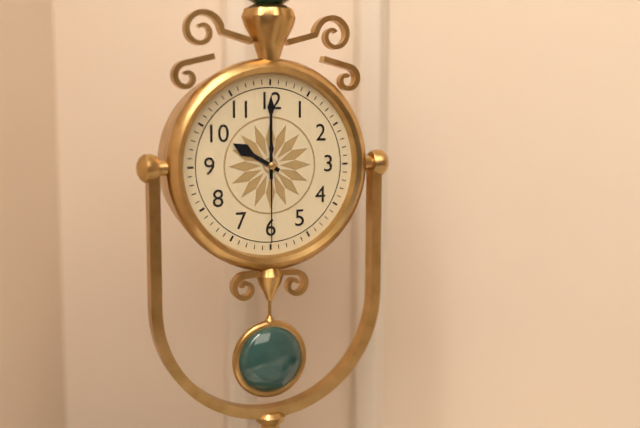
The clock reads {"hour": 10, "minute": 0, "second": 30}
